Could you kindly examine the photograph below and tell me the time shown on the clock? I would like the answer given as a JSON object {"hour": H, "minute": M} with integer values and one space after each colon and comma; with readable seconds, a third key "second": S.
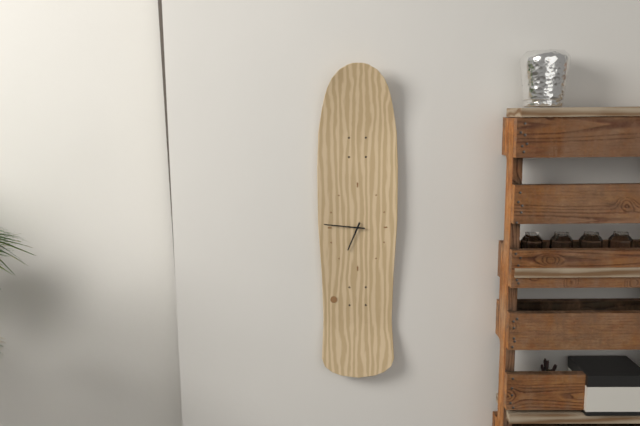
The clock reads {"hour": 6, "minute": 46}
